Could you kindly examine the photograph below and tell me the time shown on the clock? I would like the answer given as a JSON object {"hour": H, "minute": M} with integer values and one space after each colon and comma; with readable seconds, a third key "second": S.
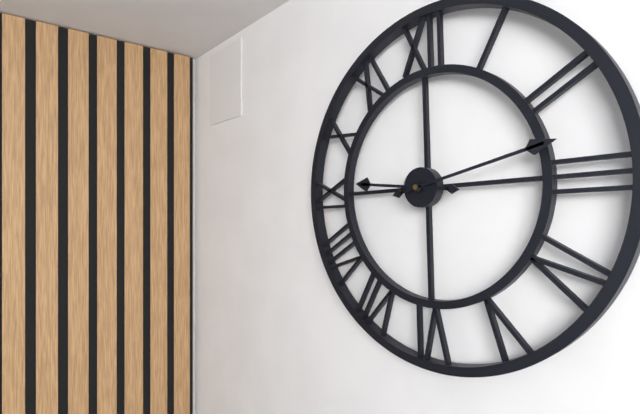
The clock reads {"hour": 9, "minute": 13}
